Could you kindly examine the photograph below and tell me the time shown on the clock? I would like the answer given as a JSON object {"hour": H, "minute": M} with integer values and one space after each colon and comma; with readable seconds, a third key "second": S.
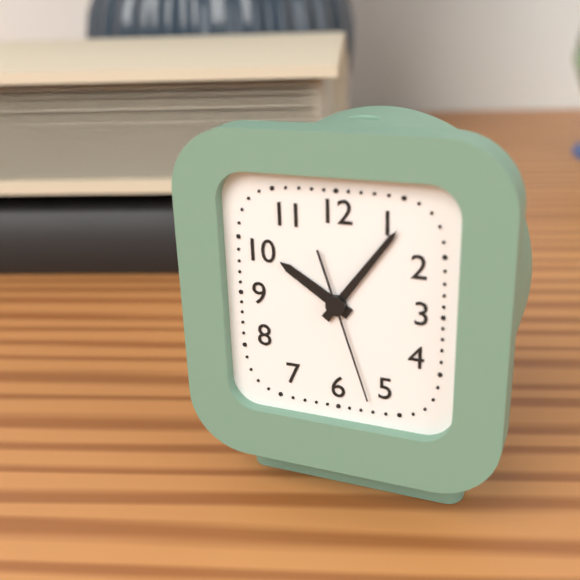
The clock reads {"hour": 10, "minute": 6, "second": 27}
